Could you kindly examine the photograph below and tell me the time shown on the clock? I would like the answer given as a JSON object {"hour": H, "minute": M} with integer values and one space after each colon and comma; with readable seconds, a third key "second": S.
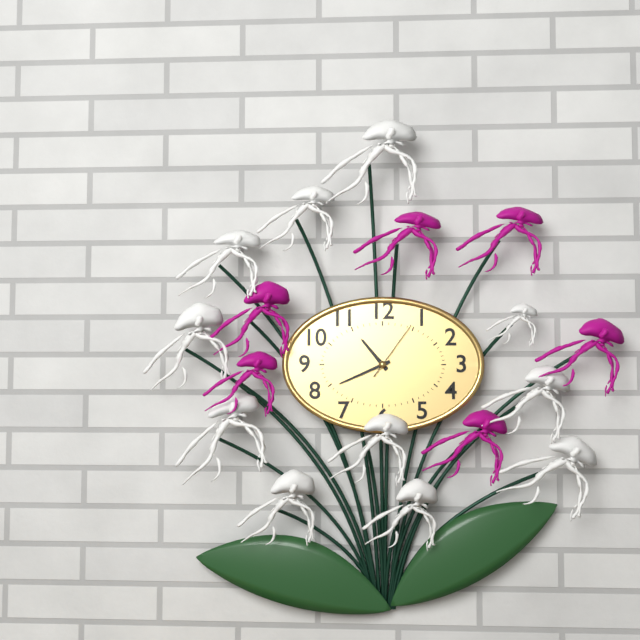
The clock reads {"hour": 10, "minute": 41, "second": 6}
